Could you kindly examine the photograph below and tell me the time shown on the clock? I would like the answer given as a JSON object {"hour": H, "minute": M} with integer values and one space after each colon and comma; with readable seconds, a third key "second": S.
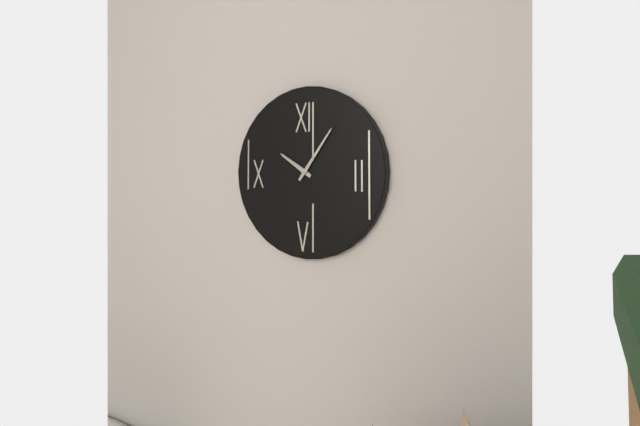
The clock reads {"hour": 10, "minute": 6}
